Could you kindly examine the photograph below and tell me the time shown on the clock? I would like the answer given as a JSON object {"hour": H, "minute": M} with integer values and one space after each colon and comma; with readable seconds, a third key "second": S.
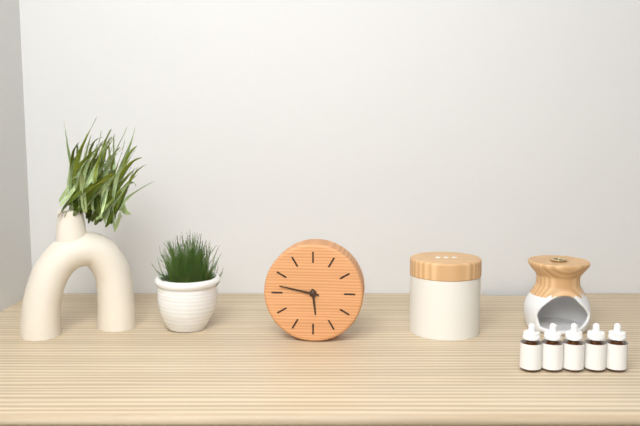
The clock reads {"hour": 5, "minute": 47}
